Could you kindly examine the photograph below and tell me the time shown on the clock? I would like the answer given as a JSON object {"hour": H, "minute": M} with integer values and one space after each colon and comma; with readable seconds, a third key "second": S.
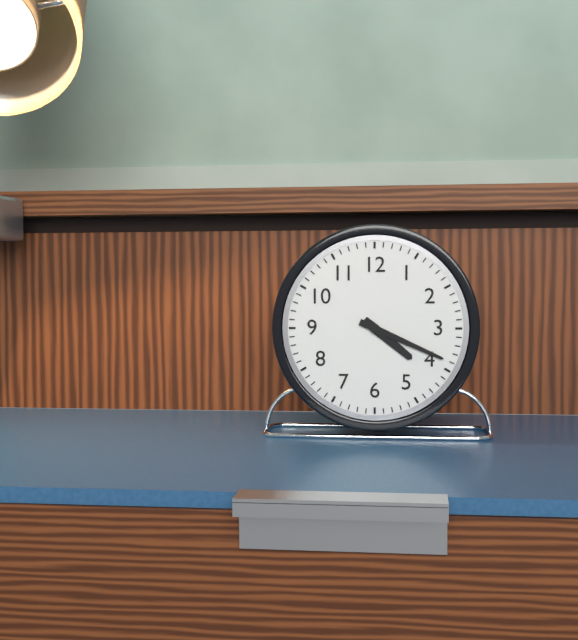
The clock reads {"hour": 4, "minute": 19}
